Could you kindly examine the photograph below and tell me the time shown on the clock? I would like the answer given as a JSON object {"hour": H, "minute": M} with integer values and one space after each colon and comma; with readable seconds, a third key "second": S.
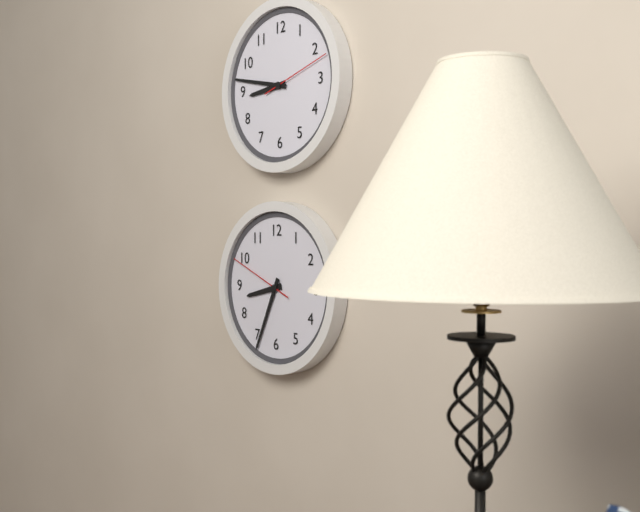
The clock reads {"hour": 8, "minute": 34, "second": 49}
